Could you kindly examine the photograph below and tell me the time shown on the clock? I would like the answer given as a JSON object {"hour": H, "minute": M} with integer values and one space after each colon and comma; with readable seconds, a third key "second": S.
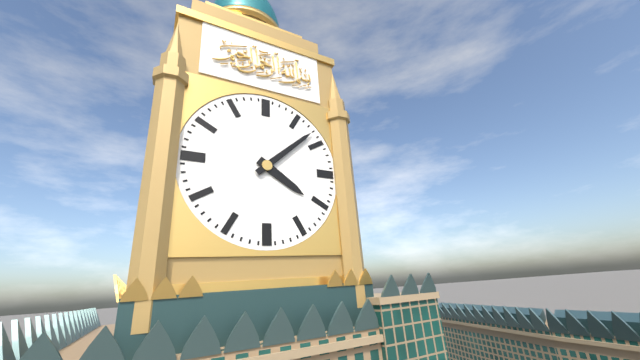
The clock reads {"hour": 4, "minute": 8}
